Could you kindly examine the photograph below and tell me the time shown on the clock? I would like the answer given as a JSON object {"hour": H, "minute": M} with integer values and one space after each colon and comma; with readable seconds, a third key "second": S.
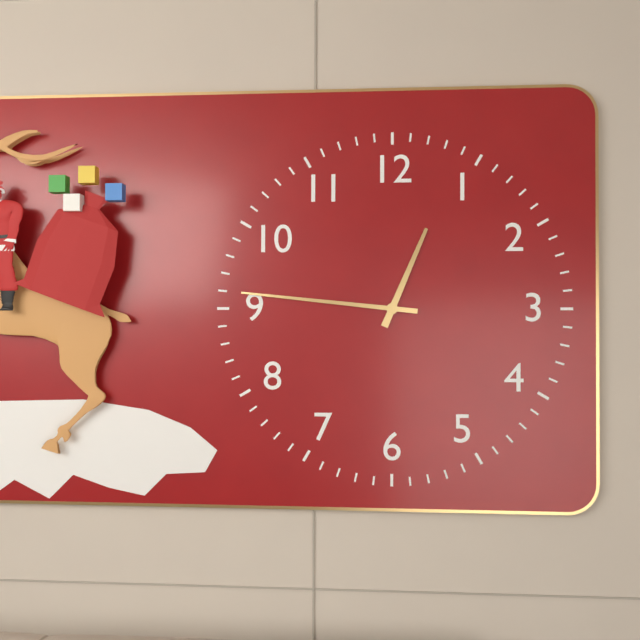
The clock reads {"hour": 12, "minute": 46}
